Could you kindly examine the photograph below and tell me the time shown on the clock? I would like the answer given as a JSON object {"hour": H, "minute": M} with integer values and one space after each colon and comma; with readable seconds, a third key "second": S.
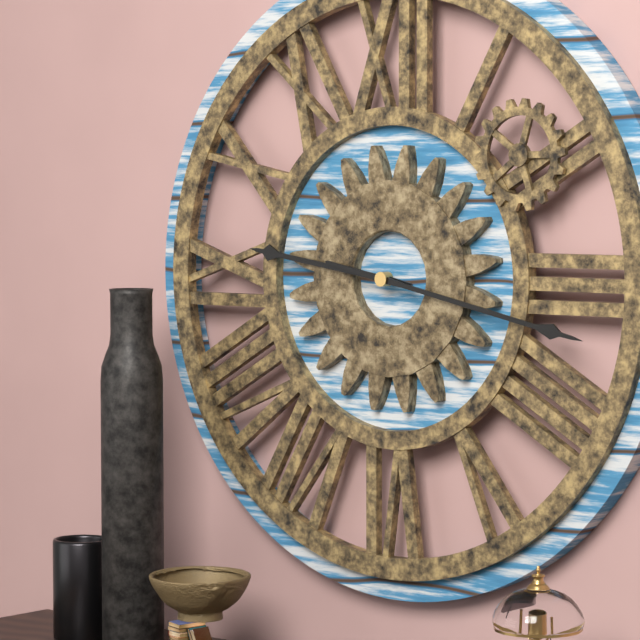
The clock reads {"hour": 9, "minute": 17}
